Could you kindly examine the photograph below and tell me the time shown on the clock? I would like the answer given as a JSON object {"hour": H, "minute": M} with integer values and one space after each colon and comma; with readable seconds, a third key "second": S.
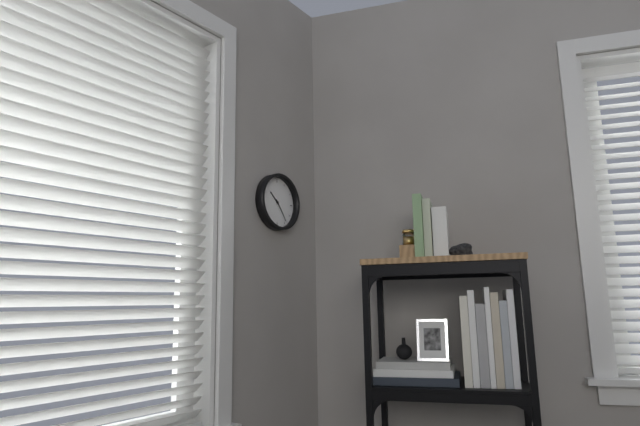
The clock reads {"hour": 10, "minute": 24}
